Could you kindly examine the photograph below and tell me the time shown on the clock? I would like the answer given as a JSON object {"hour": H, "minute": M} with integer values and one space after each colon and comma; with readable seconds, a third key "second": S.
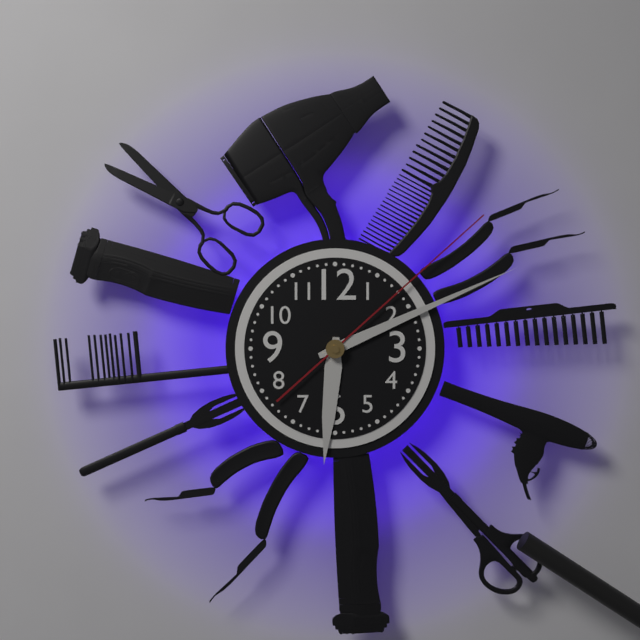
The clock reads {"hour": 6, "minute": 11, "second": 8}
